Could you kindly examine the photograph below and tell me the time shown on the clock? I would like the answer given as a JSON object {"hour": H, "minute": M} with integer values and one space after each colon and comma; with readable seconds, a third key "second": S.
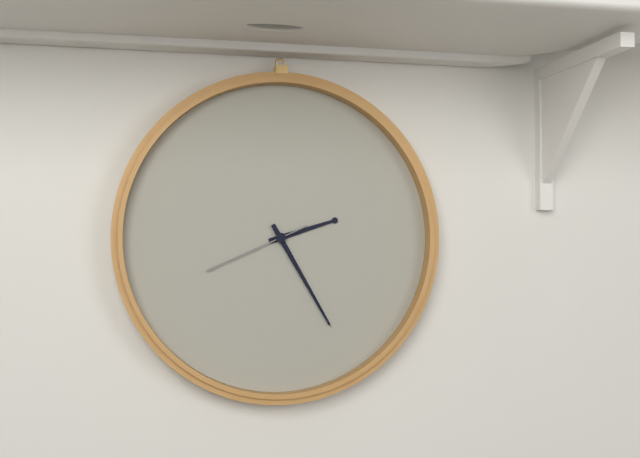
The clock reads {"hour": 2, "minute": 25, "second": 41}
